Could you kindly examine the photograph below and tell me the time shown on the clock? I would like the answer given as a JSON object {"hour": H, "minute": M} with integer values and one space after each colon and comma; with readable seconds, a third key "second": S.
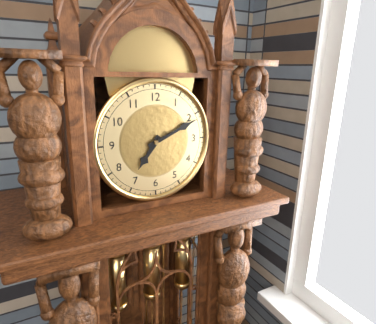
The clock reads {"hour": 7, "minute": 11}
